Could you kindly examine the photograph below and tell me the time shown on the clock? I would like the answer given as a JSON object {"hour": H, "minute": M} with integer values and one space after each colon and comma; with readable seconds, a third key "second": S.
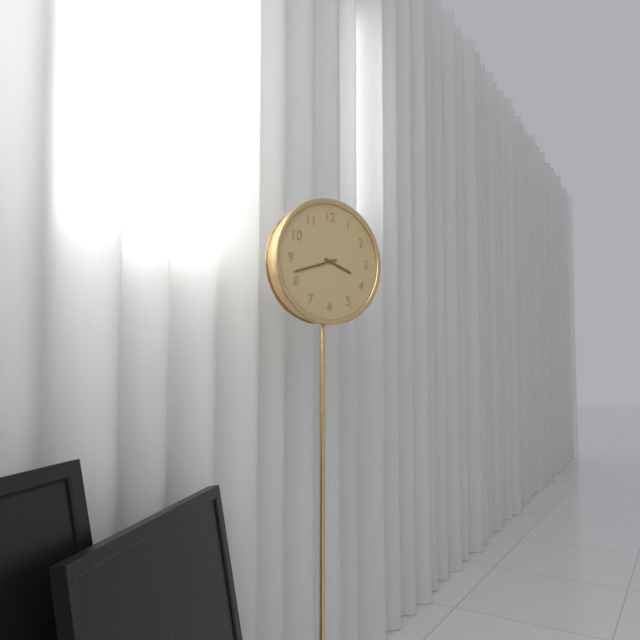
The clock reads {"hour": 3, "minute": 42}
